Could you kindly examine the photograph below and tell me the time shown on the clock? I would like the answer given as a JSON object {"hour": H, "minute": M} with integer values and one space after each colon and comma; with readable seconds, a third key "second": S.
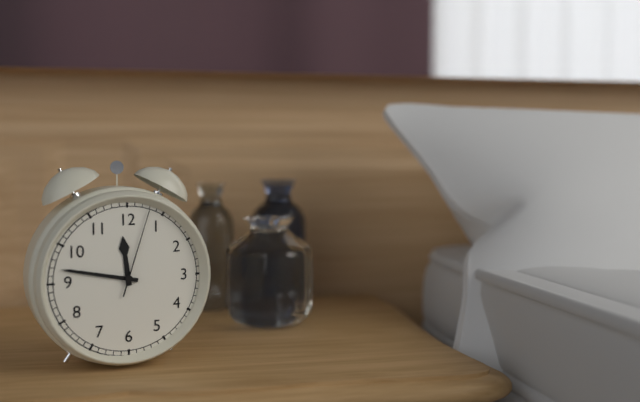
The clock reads {"hour": 11, "minute": 47, "second": 3}
